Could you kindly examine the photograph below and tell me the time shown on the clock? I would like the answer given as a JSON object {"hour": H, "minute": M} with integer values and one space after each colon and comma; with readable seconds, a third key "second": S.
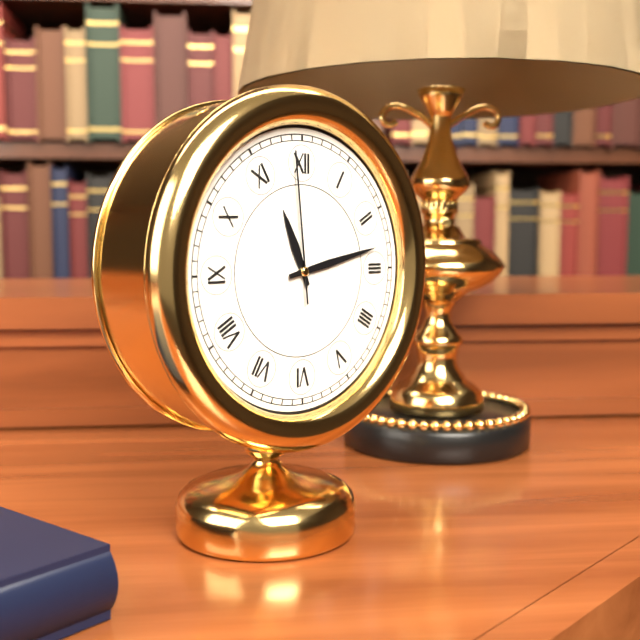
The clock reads {"hour": 11, "minute": 13, "second": 59}
